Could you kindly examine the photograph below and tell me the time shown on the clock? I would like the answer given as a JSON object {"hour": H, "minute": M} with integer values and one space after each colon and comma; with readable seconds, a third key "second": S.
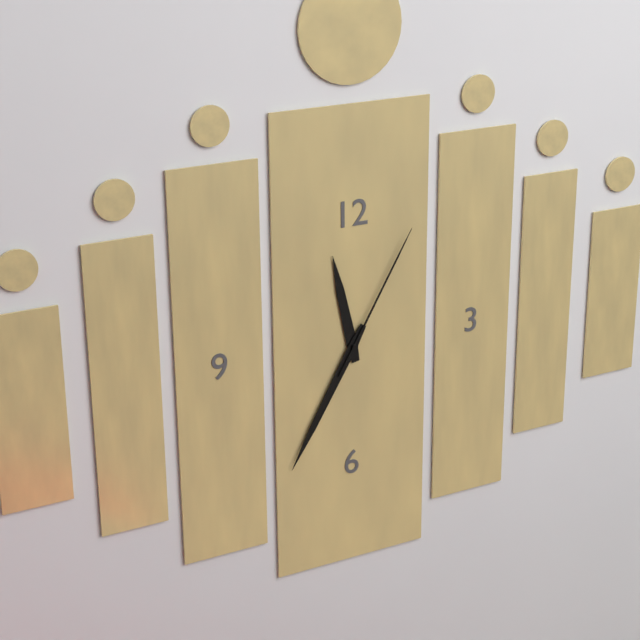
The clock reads {"hour": 11, "minute": 35, "second": 5}
